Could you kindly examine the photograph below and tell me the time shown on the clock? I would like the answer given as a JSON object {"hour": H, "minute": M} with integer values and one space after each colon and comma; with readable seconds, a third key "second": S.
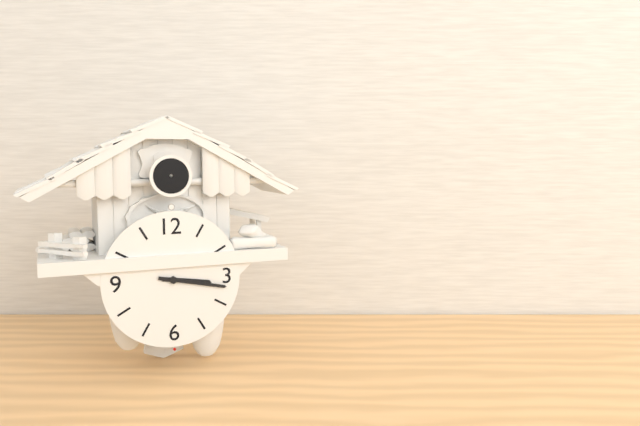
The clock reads {"hour": 3, "minute": 17}
